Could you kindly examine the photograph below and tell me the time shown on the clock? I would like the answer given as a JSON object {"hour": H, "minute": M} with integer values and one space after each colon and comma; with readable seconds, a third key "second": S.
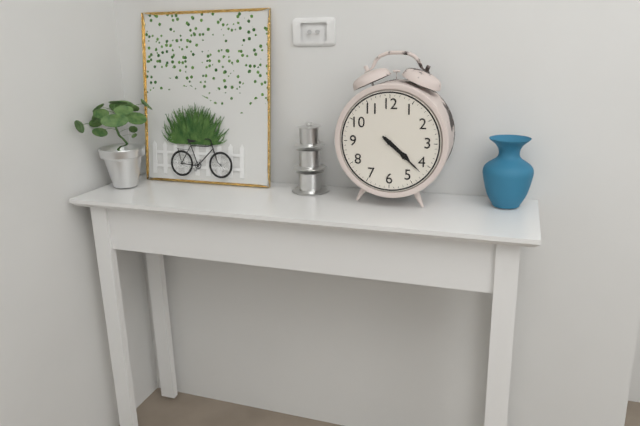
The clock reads {"hour": 4, "minute": 22}
